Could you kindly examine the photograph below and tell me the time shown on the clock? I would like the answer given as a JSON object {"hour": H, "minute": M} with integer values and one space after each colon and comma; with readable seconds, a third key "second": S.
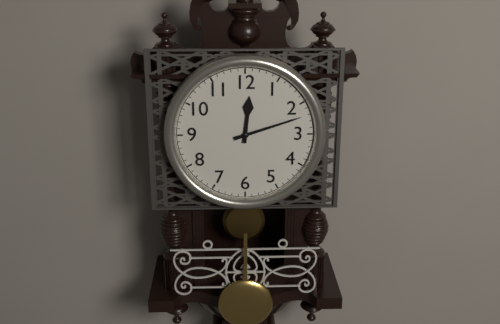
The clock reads {"hour": 12, "minute": 12}
